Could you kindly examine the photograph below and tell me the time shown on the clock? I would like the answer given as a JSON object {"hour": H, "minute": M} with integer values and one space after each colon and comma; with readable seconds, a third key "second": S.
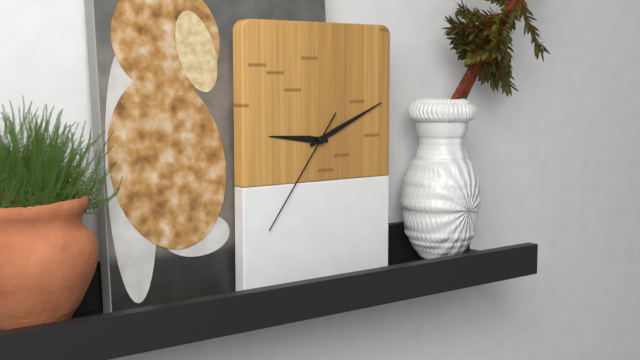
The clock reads {"hour": 9, "minute": 11, "second": 36}
